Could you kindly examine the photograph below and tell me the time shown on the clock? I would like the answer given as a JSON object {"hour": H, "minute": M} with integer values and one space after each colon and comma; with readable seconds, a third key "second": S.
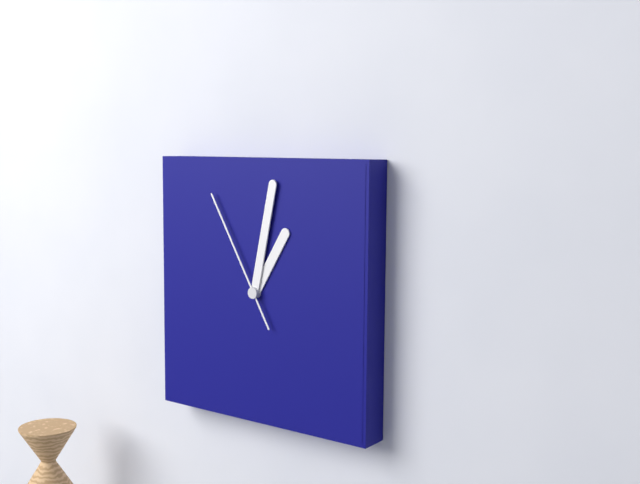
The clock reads {"hour": 1, "minute": 2, "second": 55}
